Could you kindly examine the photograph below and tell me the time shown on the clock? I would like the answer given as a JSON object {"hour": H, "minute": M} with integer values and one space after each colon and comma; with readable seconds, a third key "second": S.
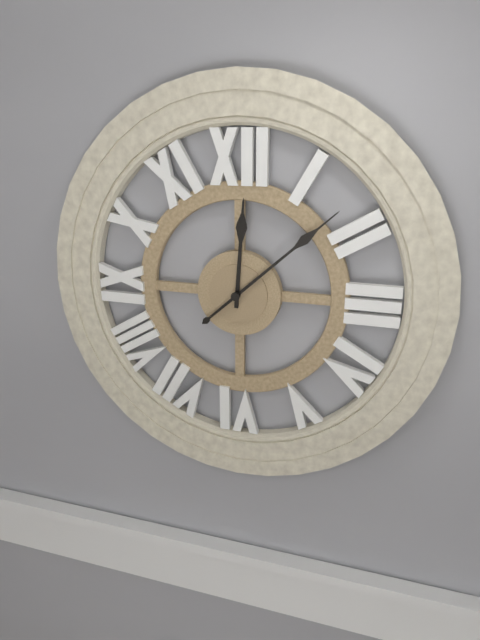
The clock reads {"hour": 12, "minute": 8}
